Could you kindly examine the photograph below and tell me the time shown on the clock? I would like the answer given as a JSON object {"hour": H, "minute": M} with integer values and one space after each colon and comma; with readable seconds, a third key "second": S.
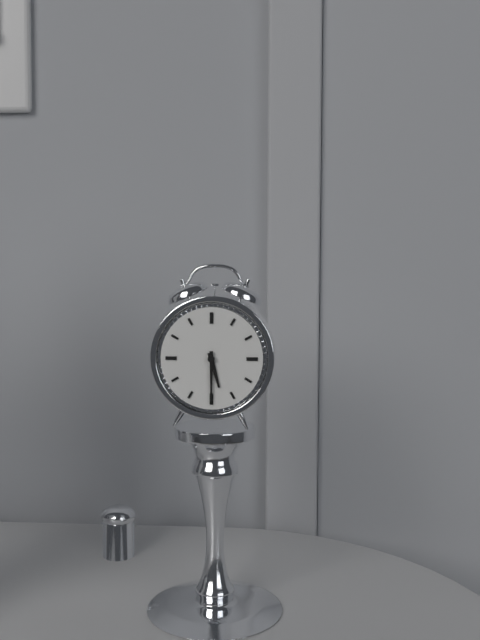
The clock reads {"hour": 5, "minute": 30}
